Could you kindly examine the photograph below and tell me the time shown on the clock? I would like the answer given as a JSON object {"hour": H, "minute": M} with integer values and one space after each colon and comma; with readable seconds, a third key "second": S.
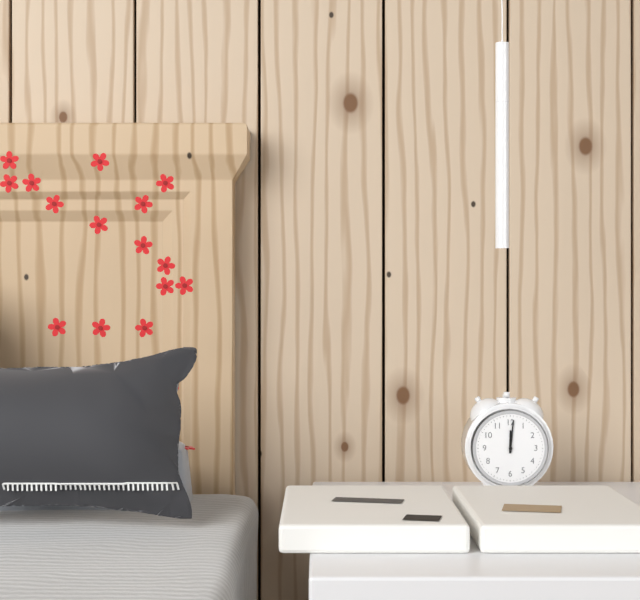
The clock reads {"hour": 12, "minute": 1}
